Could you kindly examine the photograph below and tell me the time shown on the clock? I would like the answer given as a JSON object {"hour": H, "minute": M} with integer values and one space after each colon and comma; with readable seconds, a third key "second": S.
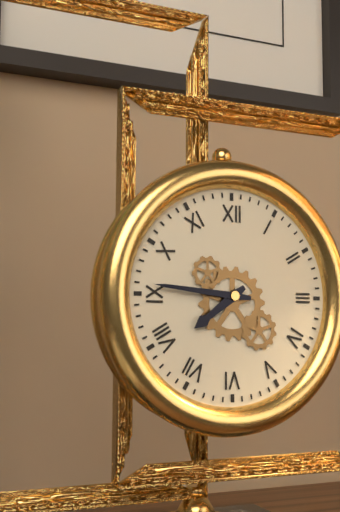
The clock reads {"hour": 7, "minute": 46}
